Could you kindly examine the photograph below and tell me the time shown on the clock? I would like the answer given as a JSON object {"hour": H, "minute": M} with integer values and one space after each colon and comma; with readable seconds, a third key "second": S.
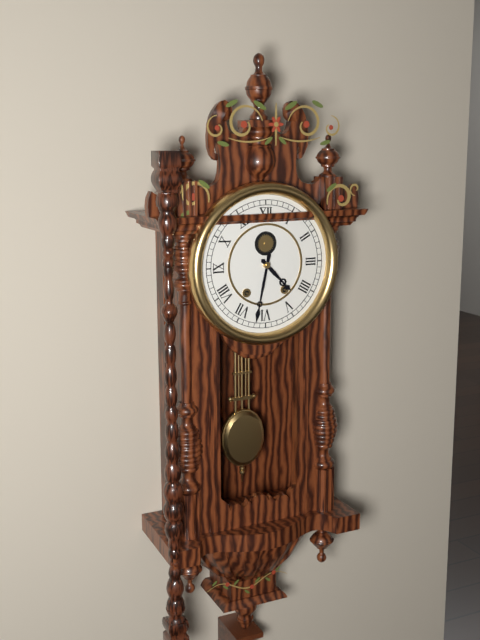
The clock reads {"hour": 4, "minute": 32}
